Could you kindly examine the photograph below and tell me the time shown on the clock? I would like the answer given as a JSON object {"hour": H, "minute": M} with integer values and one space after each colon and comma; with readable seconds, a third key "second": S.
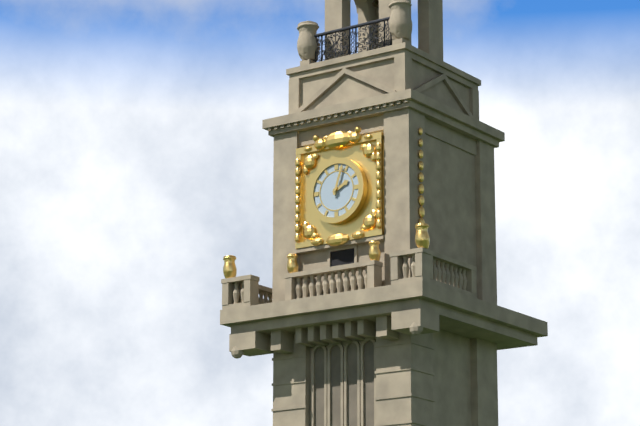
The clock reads {"hour": 2, "minute": 3}
